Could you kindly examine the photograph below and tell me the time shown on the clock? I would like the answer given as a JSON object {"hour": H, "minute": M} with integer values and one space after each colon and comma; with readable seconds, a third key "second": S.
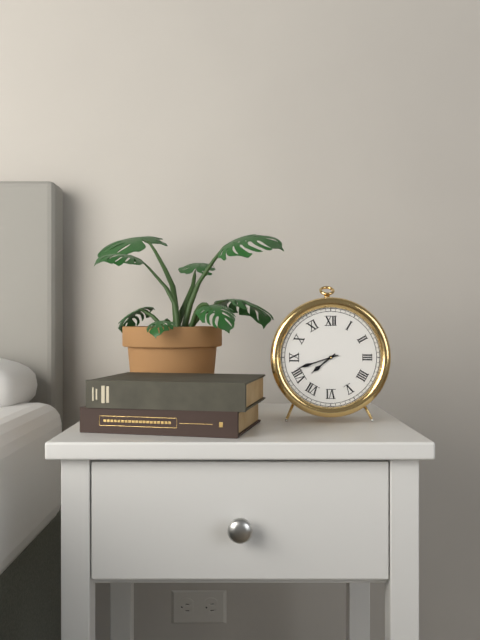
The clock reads {"hour": 7, "minute": 42}
